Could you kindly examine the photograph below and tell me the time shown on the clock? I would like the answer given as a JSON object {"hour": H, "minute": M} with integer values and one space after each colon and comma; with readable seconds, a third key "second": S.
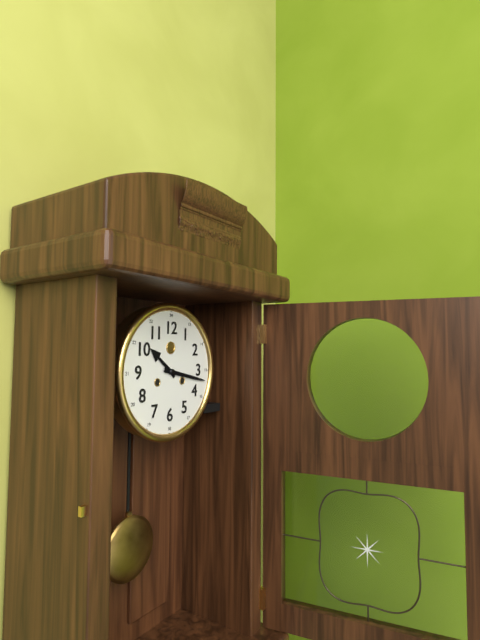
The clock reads {"hour": 10, "minute": 17}
